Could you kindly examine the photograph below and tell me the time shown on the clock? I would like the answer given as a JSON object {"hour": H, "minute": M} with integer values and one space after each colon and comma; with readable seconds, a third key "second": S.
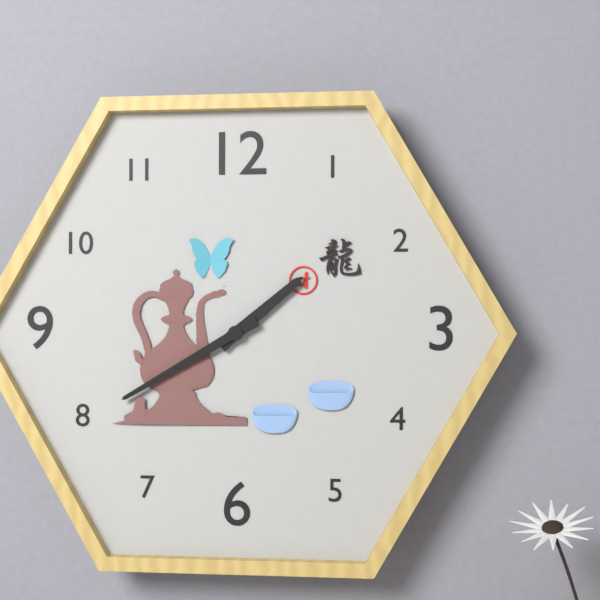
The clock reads {"hour": 1, "minute": 40}
